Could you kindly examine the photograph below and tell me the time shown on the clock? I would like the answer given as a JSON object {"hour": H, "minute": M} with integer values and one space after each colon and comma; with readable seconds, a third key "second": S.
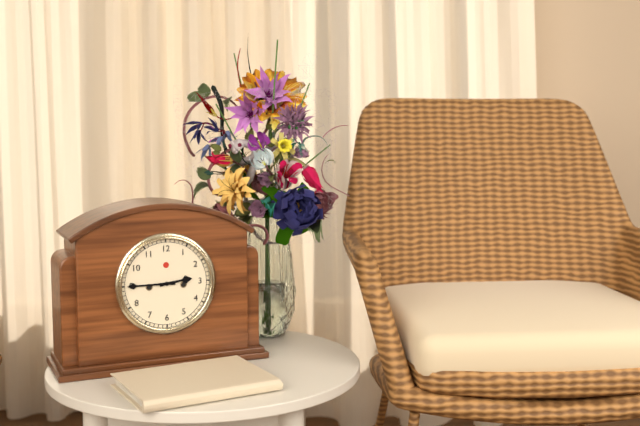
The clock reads {"hour": 2, "minute": 45}
